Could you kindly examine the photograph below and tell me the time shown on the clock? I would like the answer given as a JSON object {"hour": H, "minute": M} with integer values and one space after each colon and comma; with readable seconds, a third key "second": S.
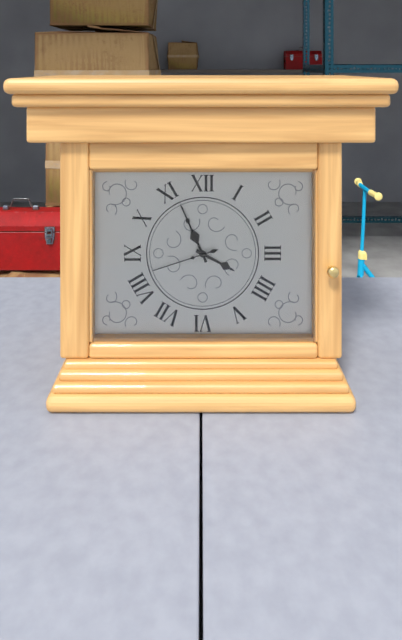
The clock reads {"hour": 3, "minute": 56, "second": 42}
